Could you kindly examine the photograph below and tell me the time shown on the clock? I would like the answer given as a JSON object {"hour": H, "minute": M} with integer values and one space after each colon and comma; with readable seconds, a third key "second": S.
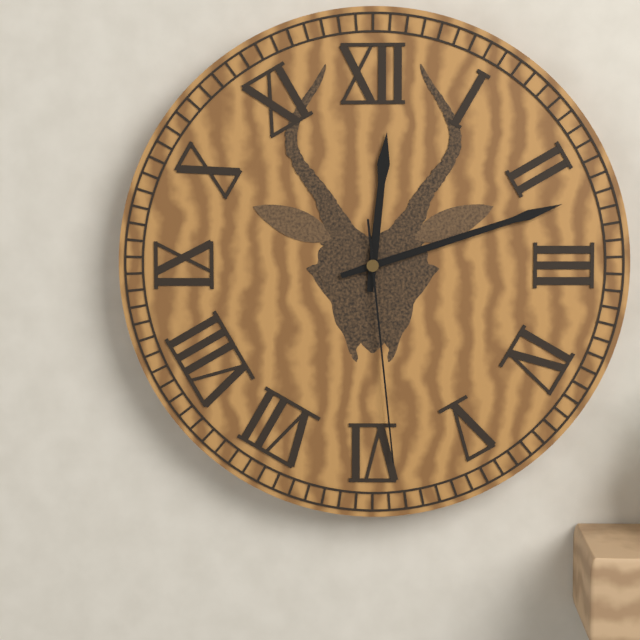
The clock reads {"hour": 12, "minute": 12, "second": 29}
